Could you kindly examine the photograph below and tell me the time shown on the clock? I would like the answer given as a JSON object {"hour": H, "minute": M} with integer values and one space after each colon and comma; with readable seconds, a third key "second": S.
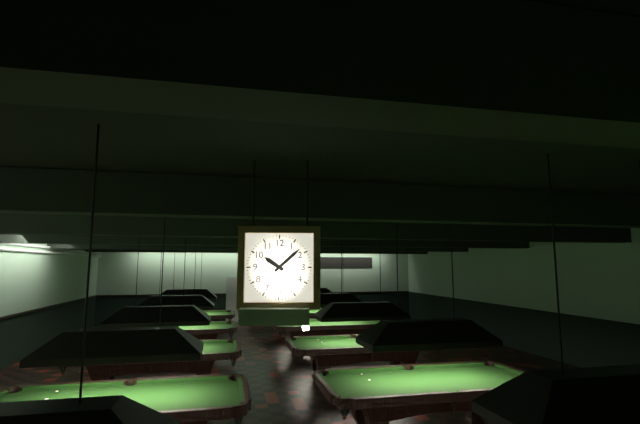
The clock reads {"hour": 10, "minute": 8}
